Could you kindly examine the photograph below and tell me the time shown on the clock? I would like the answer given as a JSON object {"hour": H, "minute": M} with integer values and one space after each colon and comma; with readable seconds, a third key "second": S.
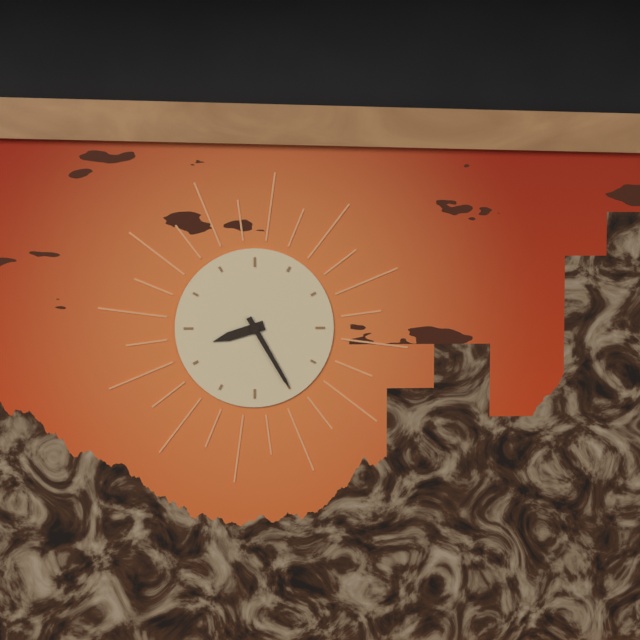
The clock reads {"hour": 8, "minute": 25}
